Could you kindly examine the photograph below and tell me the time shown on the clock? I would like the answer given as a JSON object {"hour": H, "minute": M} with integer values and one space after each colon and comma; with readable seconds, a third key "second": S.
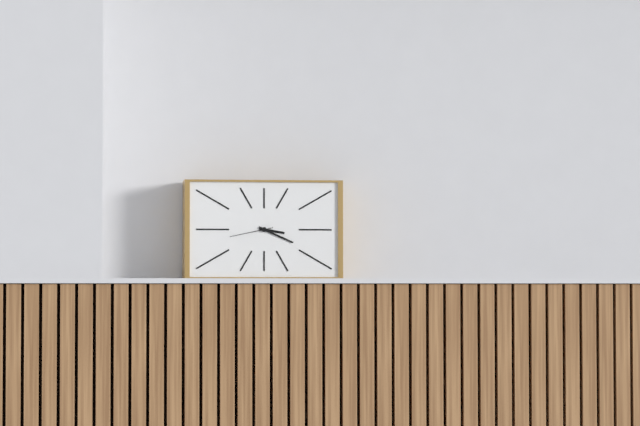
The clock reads {"hour": 3, "minute": 19}
